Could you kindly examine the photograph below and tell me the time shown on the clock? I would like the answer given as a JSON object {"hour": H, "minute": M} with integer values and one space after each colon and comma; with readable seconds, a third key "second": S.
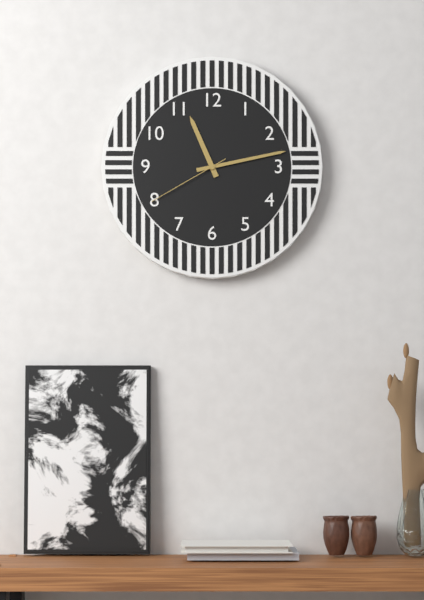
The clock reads {"hour": 11, "minute": 13, "second": 40}
